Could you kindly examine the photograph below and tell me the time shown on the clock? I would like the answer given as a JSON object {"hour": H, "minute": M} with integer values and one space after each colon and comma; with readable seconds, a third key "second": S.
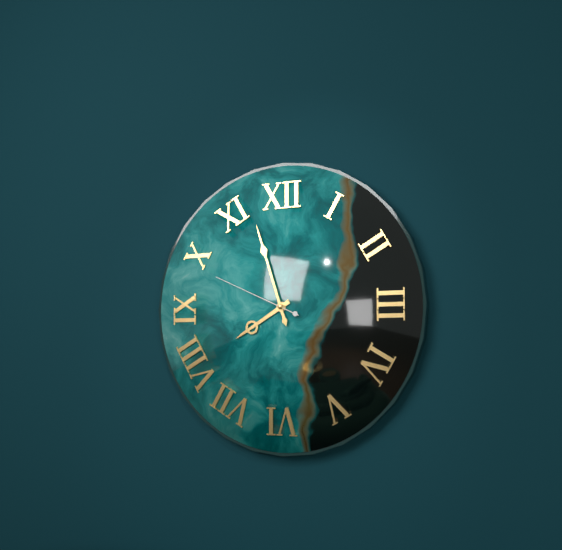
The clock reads {"hour": 7, "minute": 57, "second": 49}
